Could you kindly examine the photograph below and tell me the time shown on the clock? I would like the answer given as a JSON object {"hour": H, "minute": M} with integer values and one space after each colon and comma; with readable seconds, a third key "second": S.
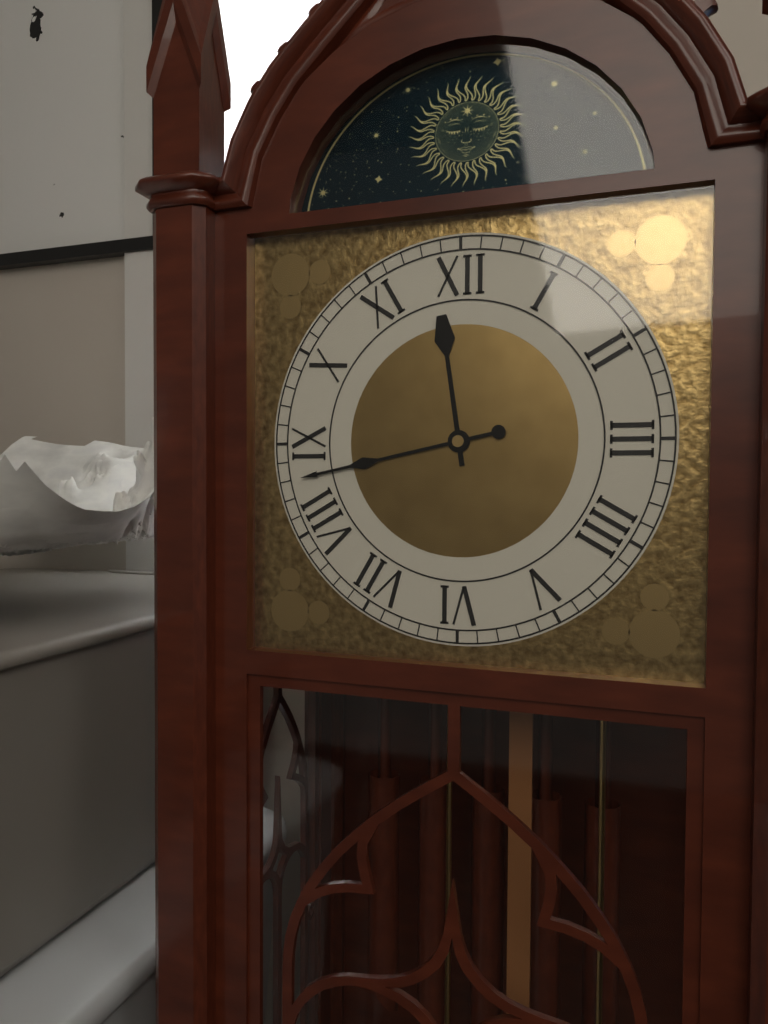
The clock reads {"hour": 11, "minute": 43}
